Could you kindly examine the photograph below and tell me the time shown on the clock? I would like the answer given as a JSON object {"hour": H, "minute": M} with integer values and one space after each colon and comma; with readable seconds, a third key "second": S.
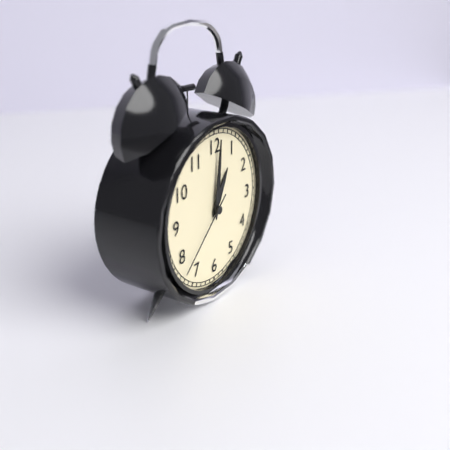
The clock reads {"hour": 1, "minute": 1, "second": 38}
